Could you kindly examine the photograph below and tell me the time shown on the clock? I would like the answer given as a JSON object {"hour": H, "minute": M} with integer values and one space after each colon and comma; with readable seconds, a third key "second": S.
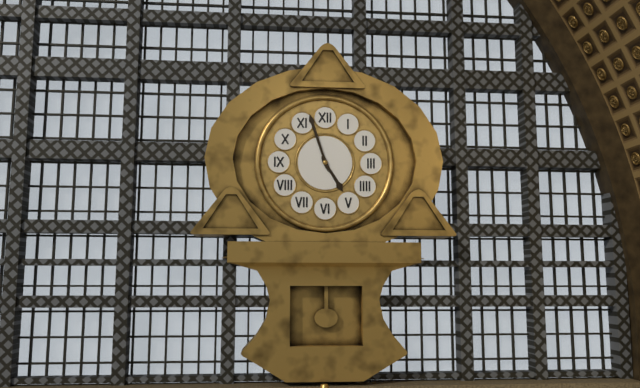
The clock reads {"hour": 4, "minute": 57}
